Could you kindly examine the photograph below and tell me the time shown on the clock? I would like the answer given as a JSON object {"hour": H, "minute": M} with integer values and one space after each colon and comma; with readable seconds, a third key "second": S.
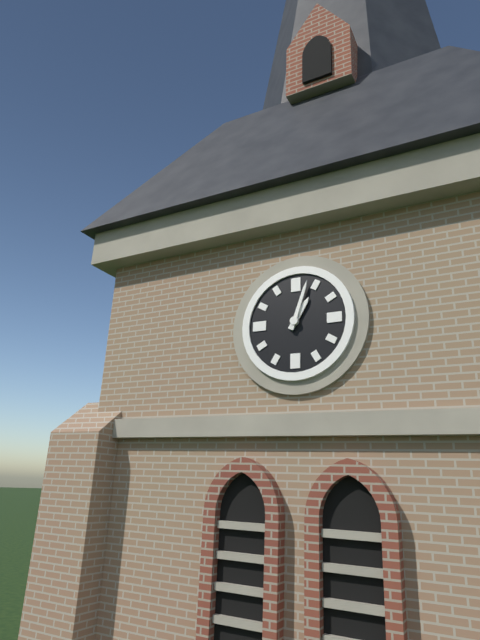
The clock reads {"hour": 1, "minute": 3}
